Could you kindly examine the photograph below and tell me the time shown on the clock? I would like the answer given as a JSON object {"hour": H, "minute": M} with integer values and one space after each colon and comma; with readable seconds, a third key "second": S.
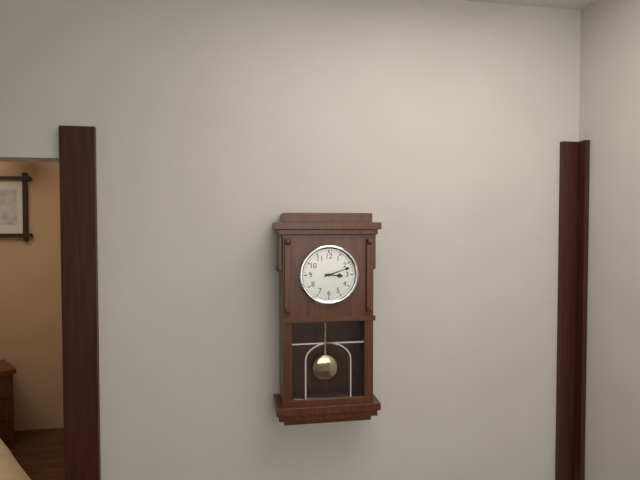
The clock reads {"hour": 3, "minute": 12}
